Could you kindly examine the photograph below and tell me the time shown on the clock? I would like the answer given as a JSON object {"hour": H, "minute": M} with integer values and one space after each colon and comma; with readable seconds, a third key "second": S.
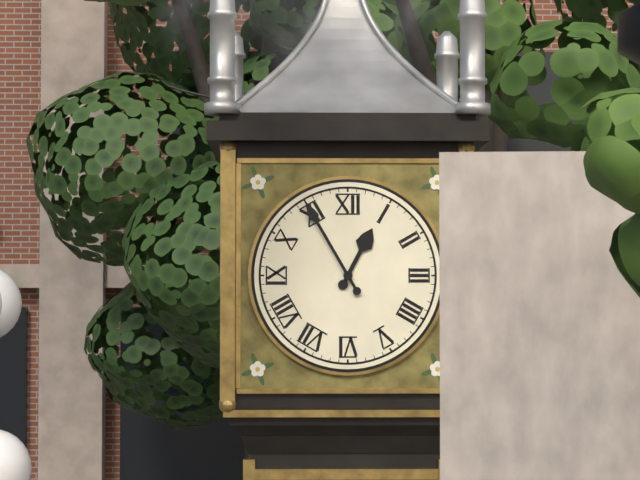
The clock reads {"hour": 12, "minute": 55}
